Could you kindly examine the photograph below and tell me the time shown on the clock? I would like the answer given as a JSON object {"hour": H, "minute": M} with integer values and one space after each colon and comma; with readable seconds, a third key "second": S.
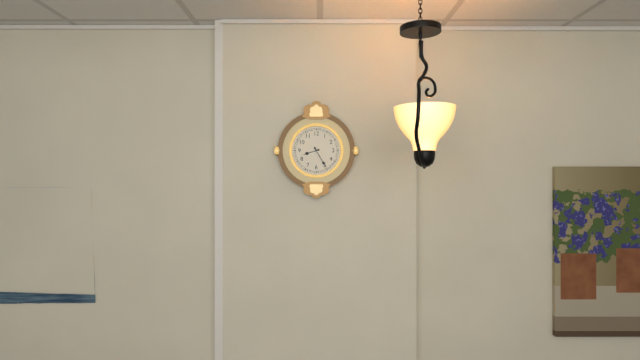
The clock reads {"hour": 8, "minute": 25}
